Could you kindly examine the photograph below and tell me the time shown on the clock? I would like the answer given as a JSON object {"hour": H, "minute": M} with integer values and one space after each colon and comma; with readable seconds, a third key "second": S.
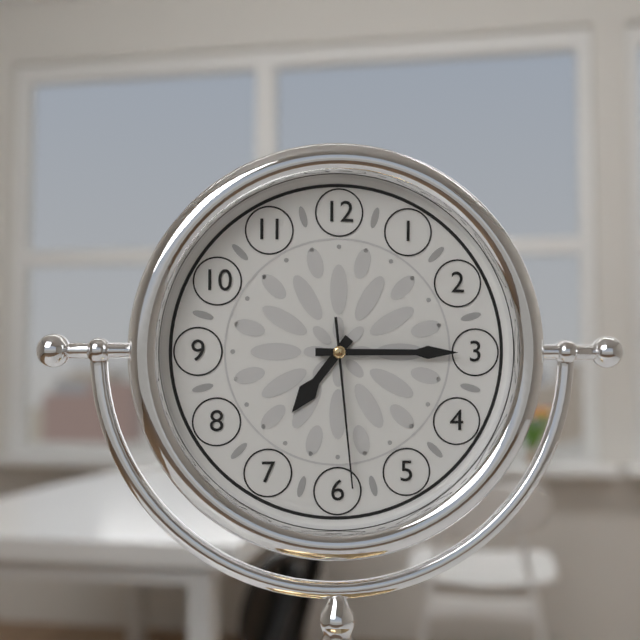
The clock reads {"hour": 7, "minute": 15, "second": 29}
